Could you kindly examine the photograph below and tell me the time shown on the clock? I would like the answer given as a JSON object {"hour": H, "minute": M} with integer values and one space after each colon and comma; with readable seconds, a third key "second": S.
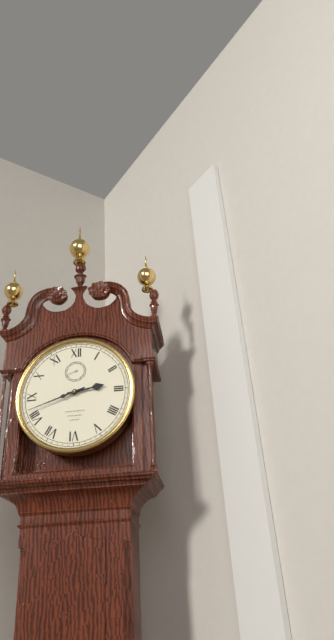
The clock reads {"hour": 2, "minute": 42}
